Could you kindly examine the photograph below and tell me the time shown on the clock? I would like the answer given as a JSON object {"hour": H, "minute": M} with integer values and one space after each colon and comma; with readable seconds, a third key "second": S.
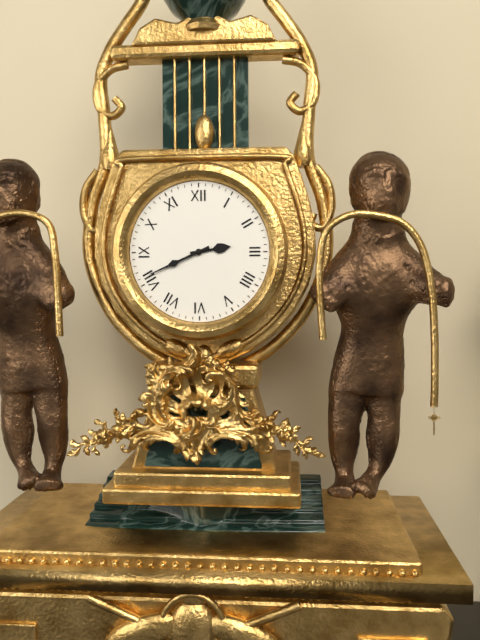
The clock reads {"hour": 2, "minute": 41}
